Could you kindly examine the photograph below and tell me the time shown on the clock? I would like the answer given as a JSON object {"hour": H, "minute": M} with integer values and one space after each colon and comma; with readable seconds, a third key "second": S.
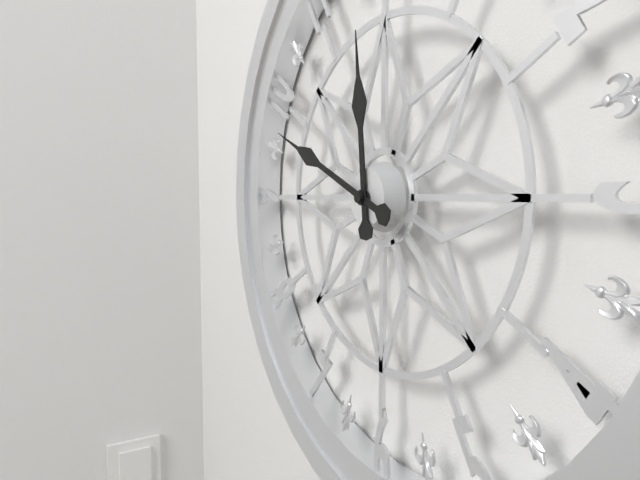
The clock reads {"hour": 11, "minute": 49}
